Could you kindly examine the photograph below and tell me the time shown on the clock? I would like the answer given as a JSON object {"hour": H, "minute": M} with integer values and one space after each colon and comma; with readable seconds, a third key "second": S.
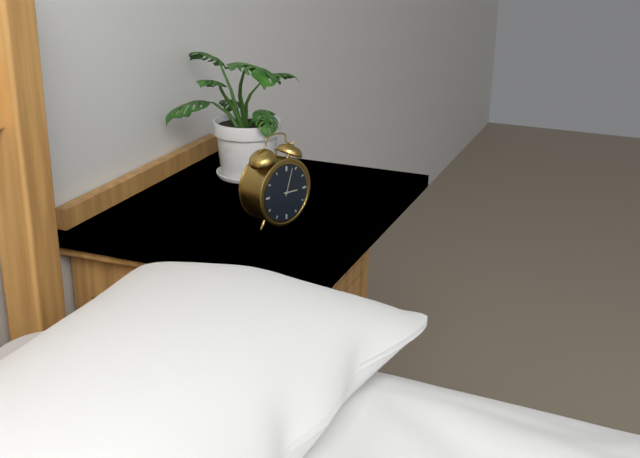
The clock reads {"hour": 3, "minute": 3}
